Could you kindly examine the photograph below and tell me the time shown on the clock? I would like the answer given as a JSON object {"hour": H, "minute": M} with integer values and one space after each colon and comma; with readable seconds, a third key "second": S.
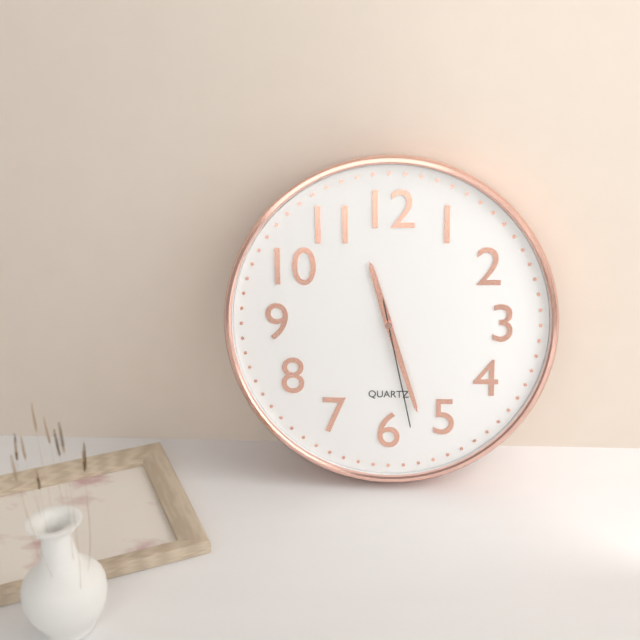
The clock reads {"hour": 11, "minute": 27, "second": 28}
